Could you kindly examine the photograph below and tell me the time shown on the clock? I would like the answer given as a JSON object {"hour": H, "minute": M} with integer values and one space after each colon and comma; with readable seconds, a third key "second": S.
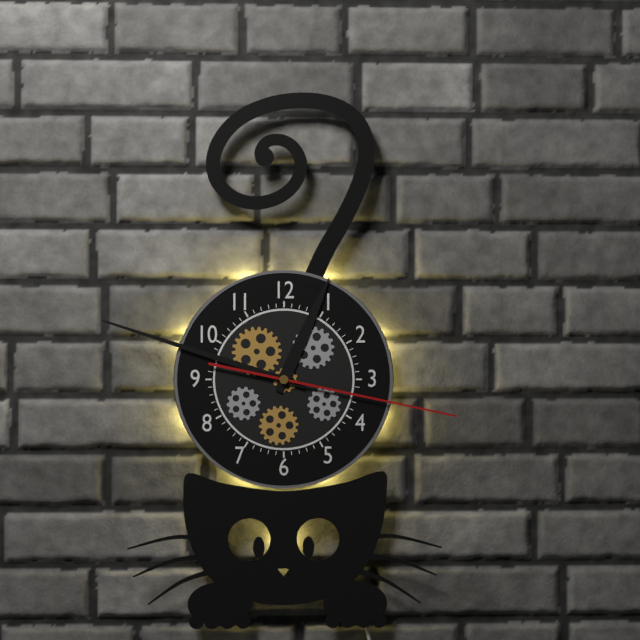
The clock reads {"hour": 12, "minute": 48, "second": 17}
